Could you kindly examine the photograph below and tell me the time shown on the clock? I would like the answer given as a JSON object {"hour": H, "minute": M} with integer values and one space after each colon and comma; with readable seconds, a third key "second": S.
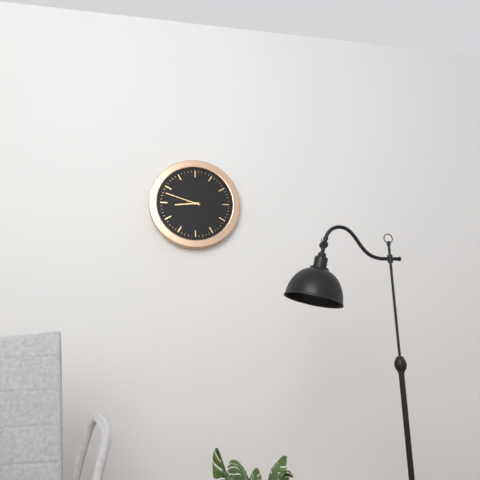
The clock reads {"hour": 8, "minute": 48}
